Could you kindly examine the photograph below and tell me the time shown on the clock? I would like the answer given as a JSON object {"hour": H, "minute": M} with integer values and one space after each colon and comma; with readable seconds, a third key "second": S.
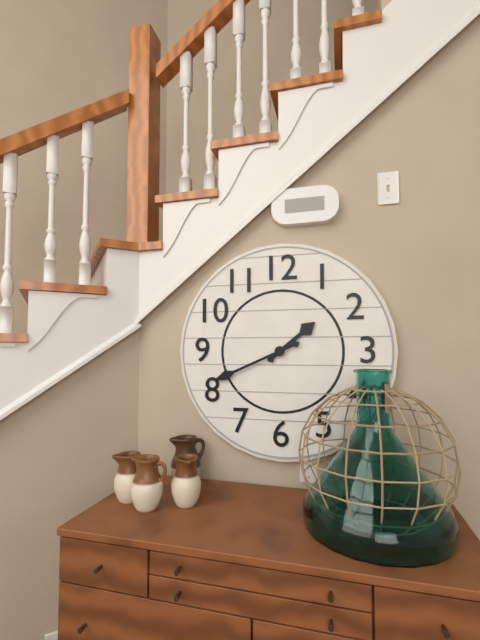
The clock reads {"hour": 1, "minute": 41}
